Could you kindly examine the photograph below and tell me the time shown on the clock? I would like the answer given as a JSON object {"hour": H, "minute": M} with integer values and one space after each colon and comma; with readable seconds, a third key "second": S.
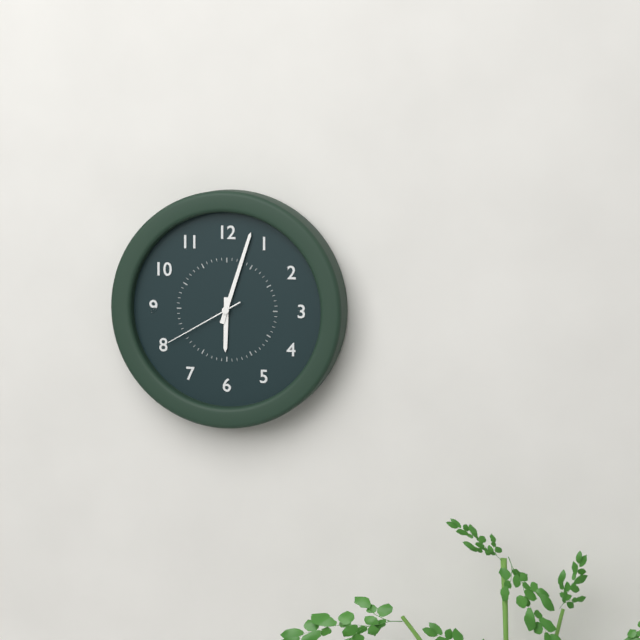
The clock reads {"hour": 6, "minute": 3, "second": 40}
